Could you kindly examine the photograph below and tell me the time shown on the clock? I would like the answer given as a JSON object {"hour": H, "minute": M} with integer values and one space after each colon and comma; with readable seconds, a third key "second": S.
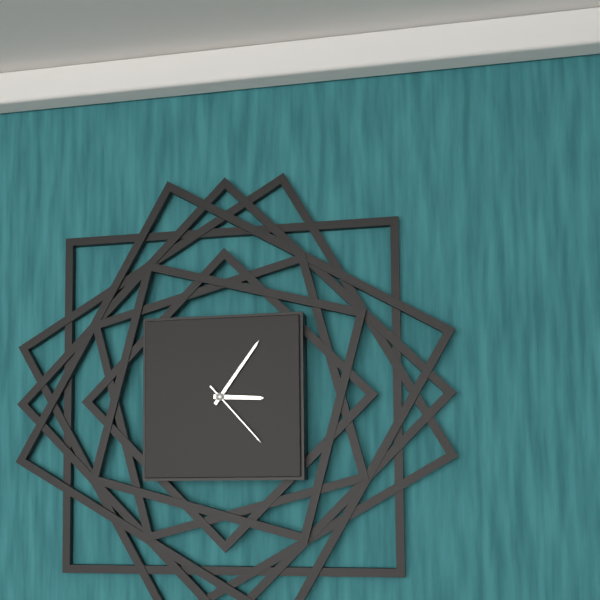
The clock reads {"hour": 3, "minute": 6, "second": 23}
